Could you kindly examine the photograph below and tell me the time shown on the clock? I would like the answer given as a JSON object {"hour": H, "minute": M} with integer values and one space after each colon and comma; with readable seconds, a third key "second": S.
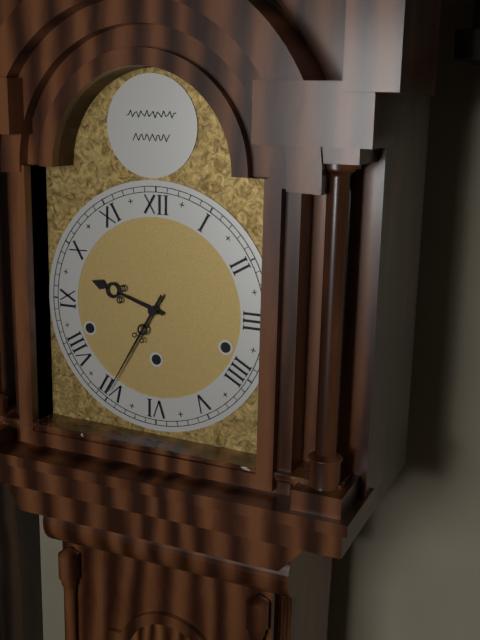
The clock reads {"hour": 9, "minute": 35}
